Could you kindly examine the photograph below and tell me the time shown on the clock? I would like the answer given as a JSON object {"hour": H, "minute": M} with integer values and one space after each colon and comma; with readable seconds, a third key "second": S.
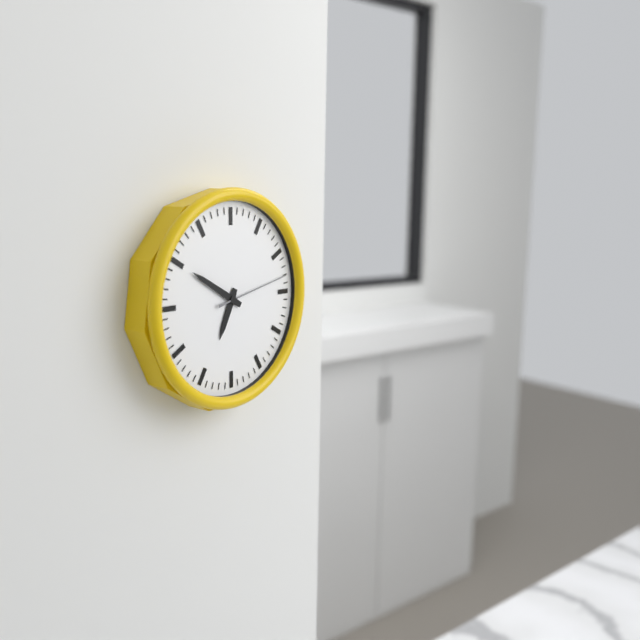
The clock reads {"hour": 6, "minute": 50, "second": 13}
